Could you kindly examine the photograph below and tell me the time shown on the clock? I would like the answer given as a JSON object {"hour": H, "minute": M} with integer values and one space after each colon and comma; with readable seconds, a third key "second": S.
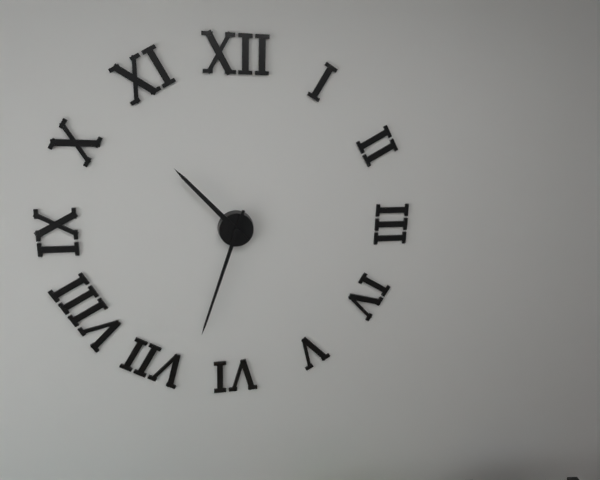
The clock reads {"hour": 10, "minute": 33}
